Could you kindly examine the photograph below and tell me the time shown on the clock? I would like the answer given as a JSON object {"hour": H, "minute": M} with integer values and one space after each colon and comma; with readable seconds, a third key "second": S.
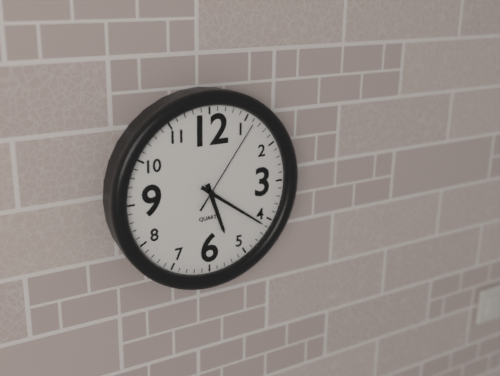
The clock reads {"hour": 5, "minute": 21, "second": 6}
